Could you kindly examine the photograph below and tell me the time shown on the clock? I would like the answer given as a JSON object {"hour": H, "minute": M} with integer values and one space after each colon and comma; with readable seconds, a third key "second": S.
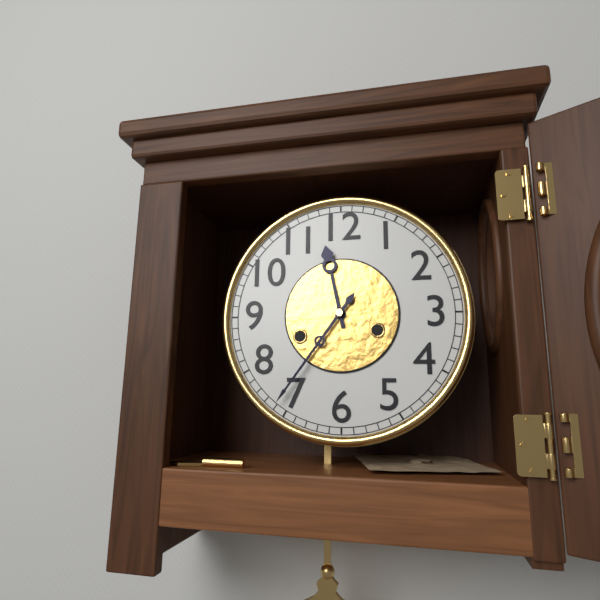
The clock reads {"hour": 11, "minute": 36}
